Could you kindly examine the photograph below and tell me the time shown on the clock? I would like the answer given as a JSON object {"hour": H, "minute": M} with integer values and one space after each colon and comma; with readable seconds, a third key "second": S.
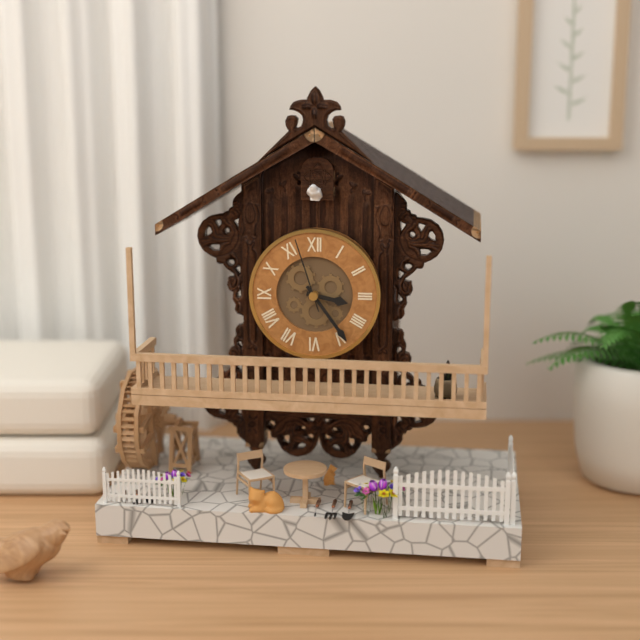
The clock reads {"hour": 3, "minute": 24, "second": 57}
